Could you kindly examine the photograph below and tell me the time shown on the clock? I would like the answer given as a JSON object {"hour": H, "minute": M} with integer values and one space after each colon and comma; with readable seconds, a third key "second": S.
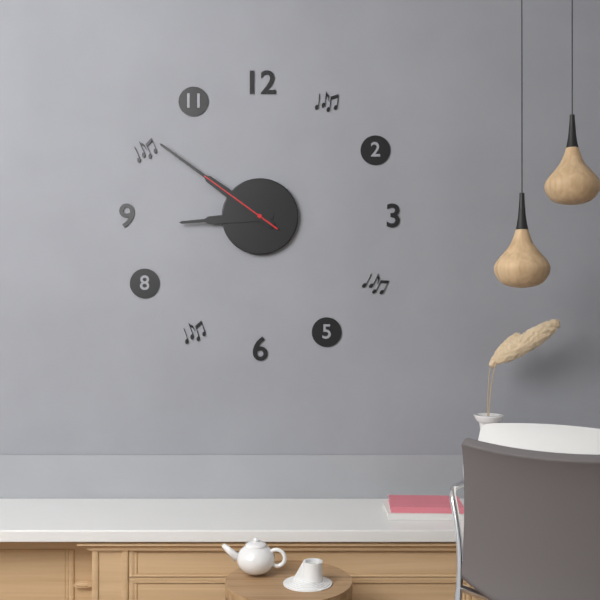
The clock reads {"hour": 8, "minute": 51, "second": 51}
